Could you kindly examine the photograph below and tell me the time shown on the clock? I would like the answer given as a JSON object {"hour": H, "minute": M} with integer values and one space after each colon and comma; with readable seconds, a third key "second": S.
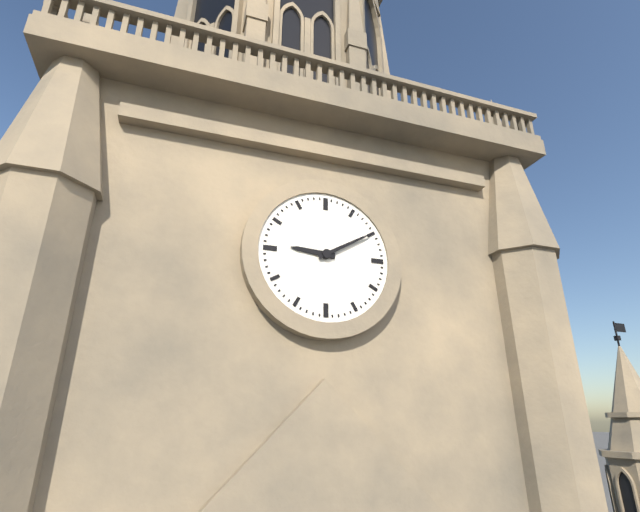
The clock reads {"hour": 9, "minute": 10}
